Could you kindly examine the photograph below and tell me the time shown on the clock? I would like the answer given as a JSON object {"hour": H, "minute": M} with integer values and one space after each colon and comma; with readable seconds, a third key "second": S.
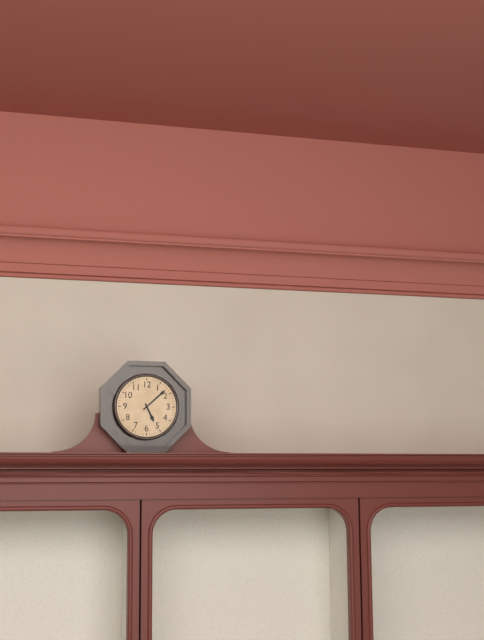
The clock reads {"hour": 5, "minute": 8}
